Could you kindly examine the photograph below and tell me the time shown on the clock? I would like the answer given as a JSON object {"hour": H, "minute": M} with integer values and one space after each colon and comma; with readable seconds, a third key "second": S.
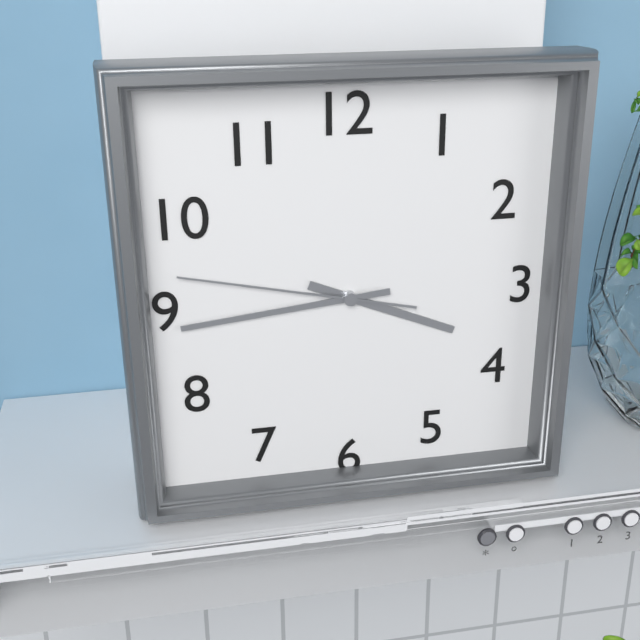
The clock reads {"hour": 3, "minute": 44, "second": 47}
